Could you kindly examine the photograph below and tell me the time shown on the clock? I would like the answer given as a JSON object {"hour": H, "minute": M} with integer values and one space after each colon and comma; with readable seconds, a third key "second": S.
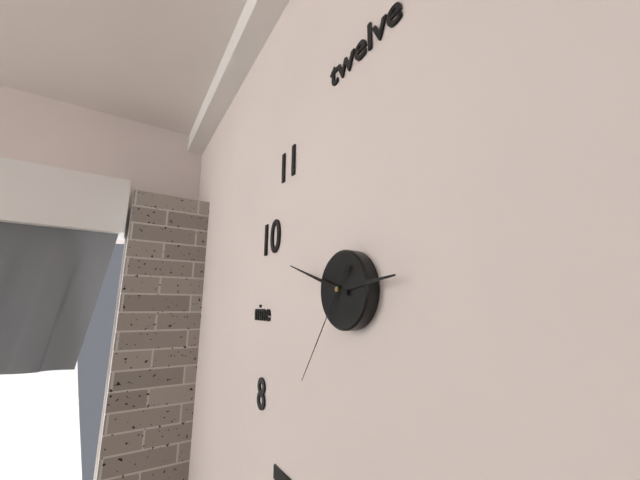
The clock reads {"hour": 2, "minute": 48, "second": 36}
